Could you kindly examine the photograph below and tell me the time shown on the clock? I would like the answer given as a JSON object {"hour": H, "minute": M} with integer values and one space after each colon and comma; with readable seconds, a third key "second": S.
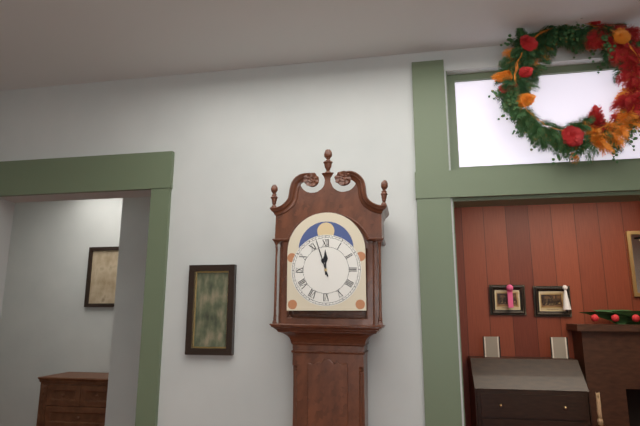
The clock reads {"hour": 11, "minute": 57}
